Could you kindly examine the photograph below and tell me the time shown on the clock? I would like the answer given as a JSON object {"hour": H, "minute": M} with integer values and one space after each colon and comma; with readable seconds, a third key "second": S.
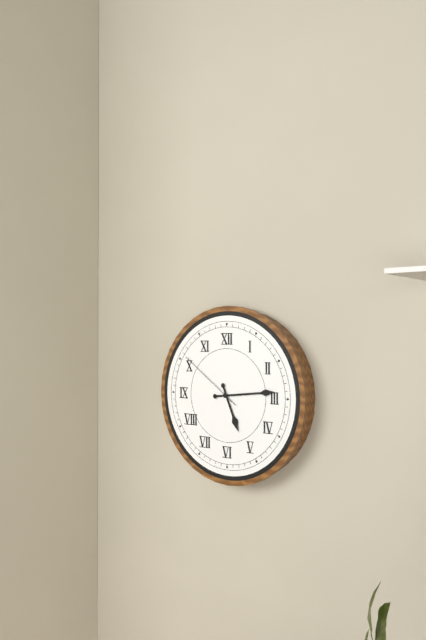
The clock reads {"hour": 5, "minute": 14, "second": 51}
